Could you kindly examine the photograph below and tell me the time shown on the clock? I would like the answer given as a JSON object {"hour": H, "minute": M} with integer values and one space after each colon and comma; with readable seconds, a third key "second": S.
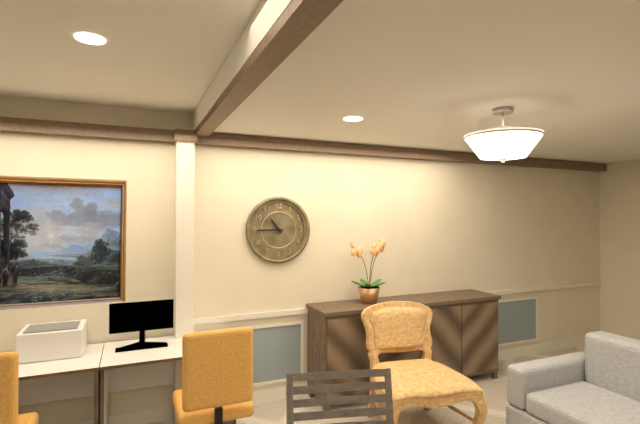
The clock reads {"hour": 10, "minute": 45}
